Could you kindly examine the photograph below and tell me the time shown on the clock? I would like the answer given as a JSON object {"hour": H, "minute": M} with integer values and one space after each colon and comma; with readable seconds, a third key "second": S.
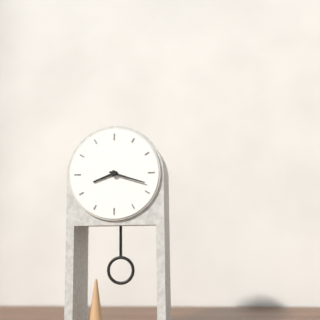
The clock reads {"hour": 8, "minute": 18}
